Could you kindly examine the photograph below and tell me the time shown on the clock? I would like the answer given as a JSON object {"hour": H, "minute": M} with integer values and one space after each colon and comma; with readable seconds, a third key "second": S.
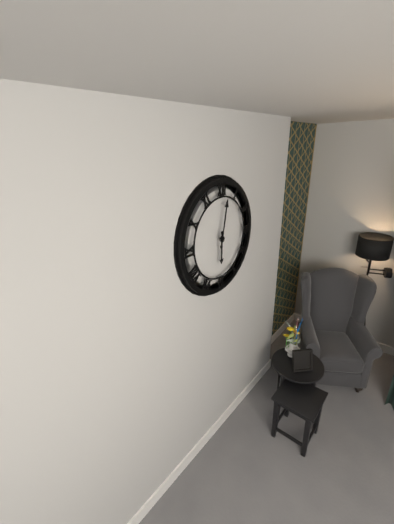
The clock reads {"hour": 6, "minute": 2}
